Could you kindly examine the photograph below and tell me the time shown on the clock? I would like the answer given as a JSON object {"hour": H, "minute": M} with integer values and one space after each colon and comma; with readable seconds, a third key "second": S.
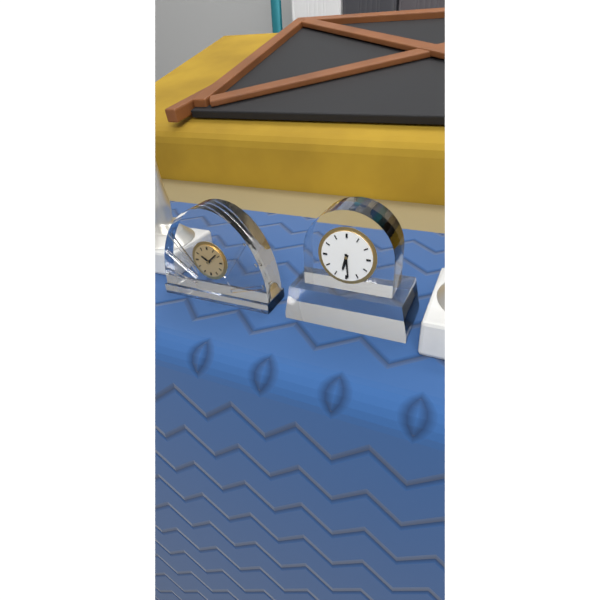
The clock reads {"hour": 6, "minute": 29}
